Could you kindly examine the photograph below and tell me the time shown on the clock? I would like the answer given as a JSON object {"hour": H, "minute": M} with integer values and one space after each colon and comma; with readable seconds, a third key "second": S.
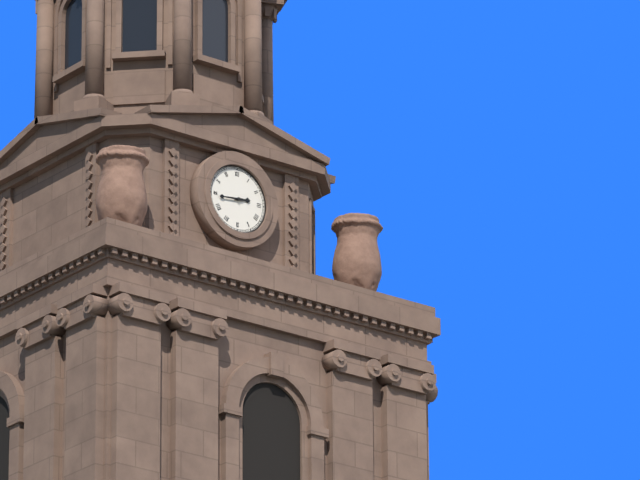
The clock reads {"hour": 2, "minute": 44}
